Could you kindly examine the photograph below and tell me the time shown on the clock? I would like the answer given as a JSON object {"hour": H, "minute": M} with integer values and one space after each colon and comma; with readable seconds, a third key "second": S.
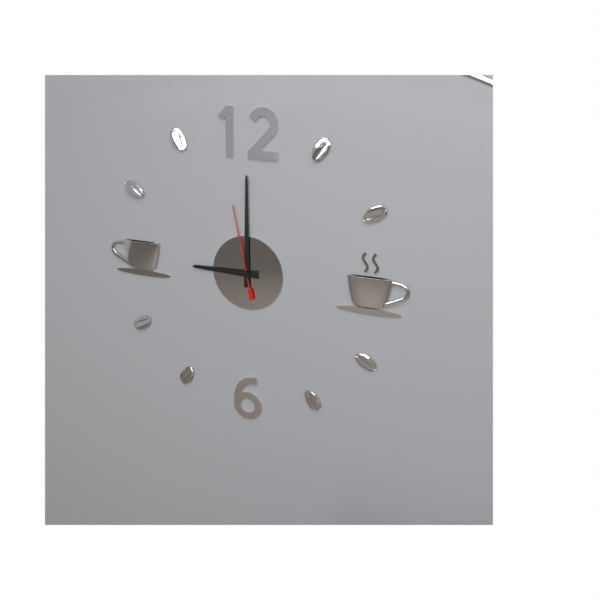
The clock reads {"hour": 9, "minute": 0, "second": 58}
